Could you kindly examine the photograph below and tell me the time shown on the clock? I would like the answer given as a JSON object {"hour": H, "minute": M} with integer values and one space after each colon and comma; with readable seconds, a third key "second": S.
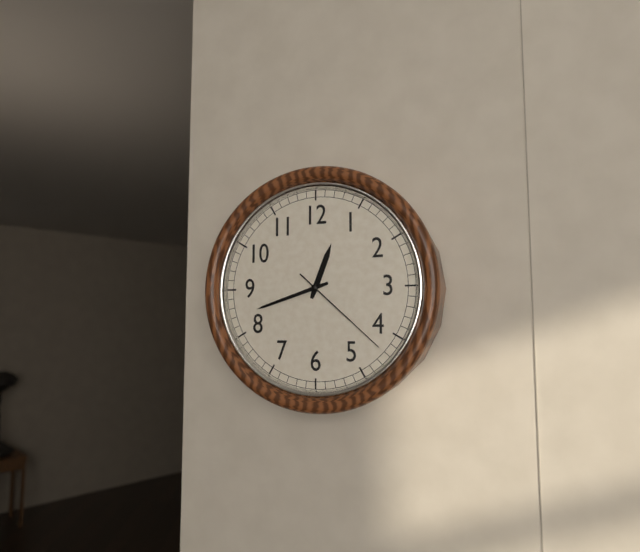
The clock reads {"hour": 12, "minute": 42, "second": 22}
